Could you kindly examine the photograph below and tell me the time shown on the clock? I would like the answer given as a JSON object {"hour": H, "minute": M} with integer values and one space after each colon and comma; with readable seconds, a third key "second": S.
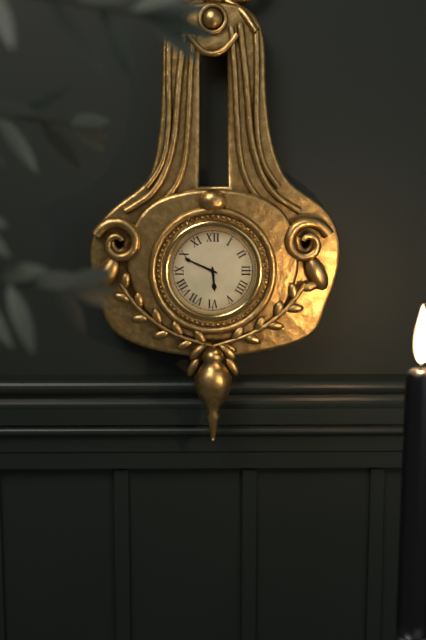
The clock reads {"hour": 5, "minute": 49}
